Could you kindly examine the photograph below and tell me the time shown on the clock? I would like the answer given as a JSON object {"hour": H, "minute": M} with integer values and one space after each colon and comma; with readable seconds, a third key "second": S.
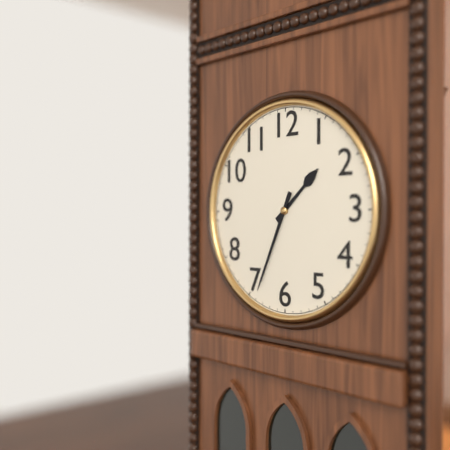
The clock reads {"hour": 1, "minute": 34}
